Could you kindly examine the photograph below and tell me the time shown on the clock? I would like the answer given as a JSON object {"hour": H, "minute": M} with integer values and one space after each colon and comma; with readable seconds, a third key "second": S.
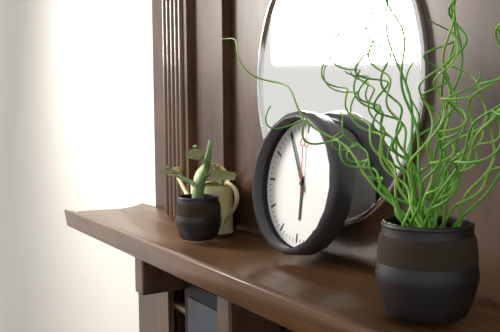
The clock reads {"hour": 5, "minute": 55, "second": 59}
